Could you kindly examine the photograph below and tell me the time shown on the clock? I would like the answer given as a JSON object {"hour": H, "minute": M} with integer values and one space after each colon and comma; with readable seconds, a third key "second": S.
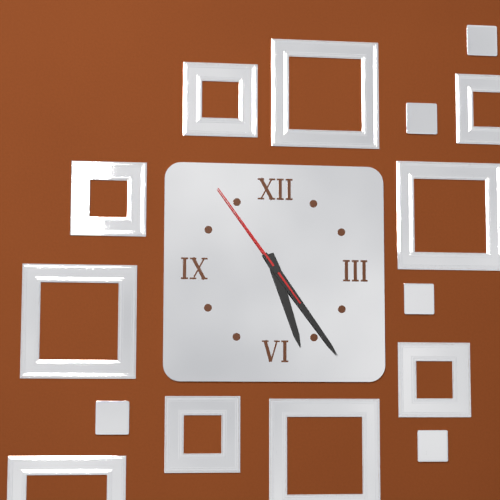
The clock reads {"hour": 5, "minute": 24, "second": 54}
